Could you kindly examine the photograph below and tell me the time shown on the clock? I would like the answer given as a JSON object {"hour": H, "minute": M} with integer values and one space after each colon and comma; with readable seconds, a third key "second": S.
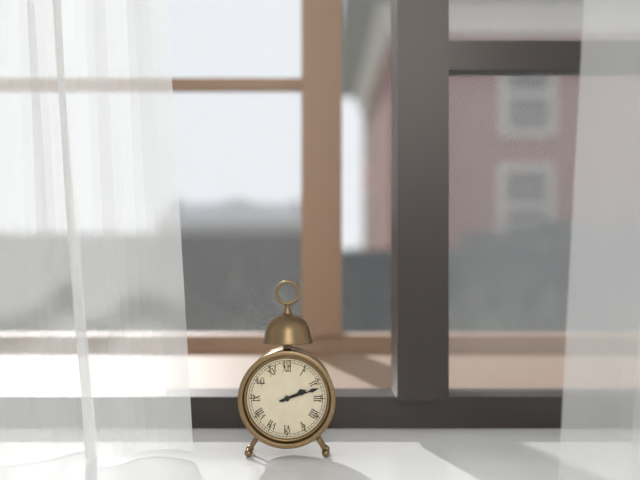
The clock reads {"hour": 2, "minute": 12}
